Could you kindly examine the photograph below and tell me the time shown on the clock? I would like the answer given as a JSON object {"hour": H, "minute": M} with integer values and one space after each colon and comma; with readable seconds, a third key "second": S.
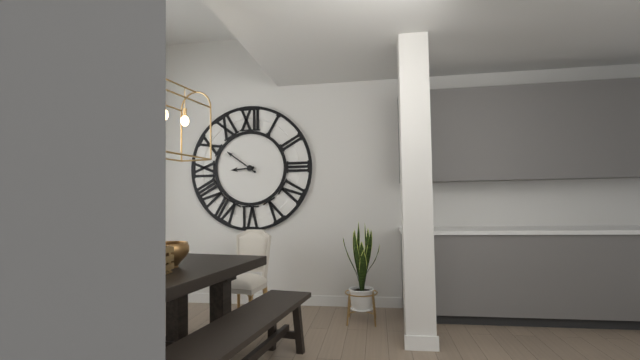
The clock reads {"hour": 8, "minute": 51}
